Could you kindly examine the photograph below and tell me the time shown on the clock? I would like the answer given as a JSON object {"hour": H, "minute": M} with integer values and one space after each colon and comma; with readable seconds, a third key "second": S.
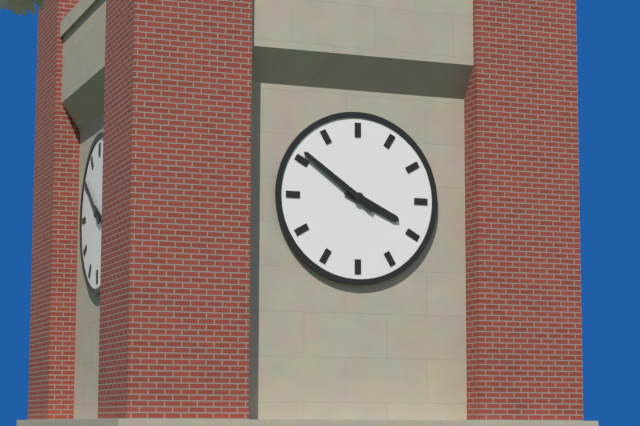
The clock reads {"hour": 3, "minute": 51}
